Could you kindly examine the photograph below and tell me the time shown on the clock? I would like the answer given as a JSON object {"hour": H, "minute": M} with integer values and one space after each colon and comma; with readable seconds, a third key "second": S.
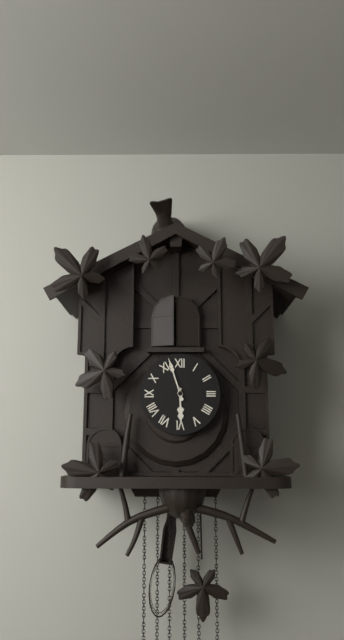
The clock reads {"hour": 5, "minute": 57}
